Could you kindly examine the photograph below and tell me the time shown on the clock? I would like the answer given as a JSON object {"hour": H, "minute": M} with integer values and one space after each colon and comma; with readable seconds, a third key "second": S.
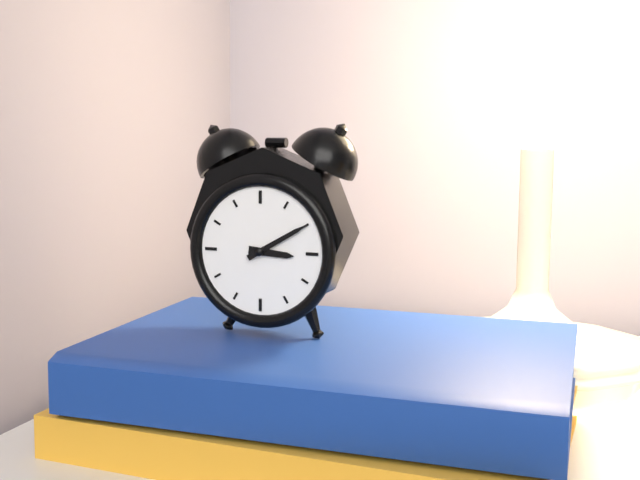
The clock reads {"hour": 3, "minute": 10}
